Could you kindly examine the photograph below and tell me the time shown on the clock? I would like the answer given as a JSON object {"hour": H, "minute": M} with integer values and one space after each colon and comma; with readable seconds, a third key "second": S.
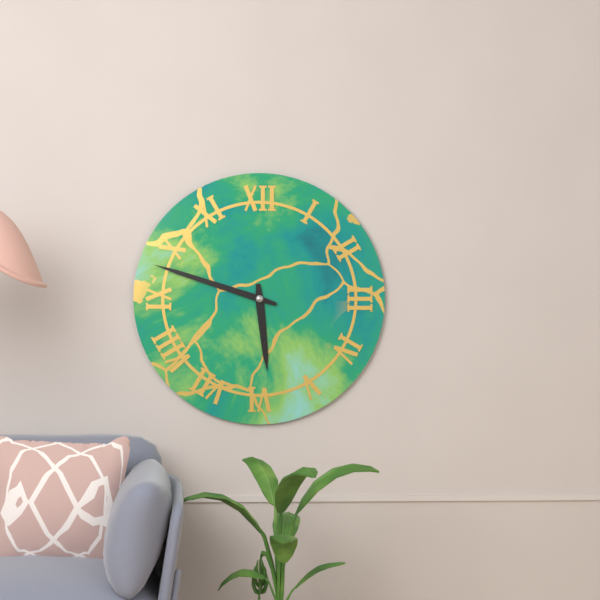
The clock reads {"hour": 5, "minute": 48}
